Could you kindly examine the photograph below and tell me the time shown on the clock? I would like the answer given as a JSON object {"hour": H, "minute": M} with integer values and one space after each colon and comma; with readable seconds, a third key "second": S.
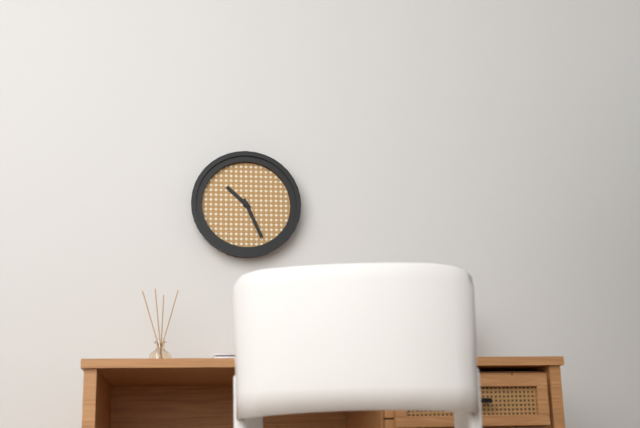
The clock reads {"hour": 10, "minute": 26}
